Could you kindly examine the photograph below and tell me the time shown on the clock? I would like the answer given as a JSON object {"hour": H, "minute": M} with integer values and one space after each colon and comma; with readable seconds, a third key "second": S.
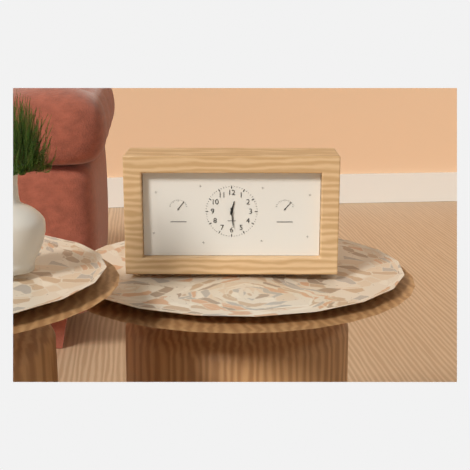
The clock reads {"hour": 12, "minute": 29}
